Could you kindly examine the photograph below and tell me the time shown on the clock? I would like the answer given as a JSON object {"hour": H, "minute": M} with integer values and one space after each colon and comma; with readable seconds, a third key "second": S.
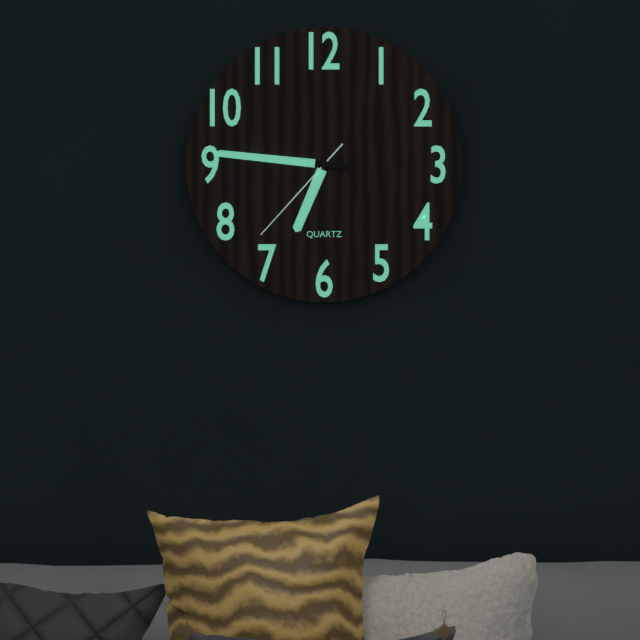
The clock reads {"hour": 6, "minute": 46, "second": 37}
